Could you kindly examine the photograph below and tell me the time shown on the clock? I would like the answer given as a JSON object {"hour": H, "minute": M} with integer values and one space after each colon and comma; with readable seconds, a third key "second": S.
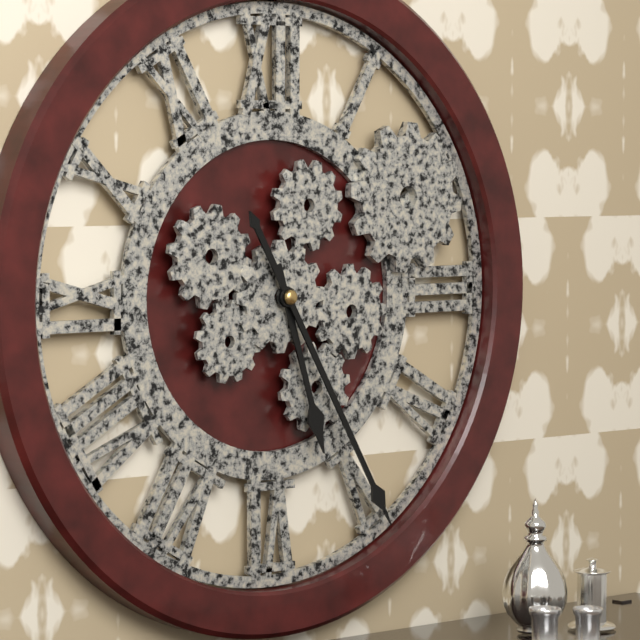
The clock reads {"hour": 5, "minute": 25}
